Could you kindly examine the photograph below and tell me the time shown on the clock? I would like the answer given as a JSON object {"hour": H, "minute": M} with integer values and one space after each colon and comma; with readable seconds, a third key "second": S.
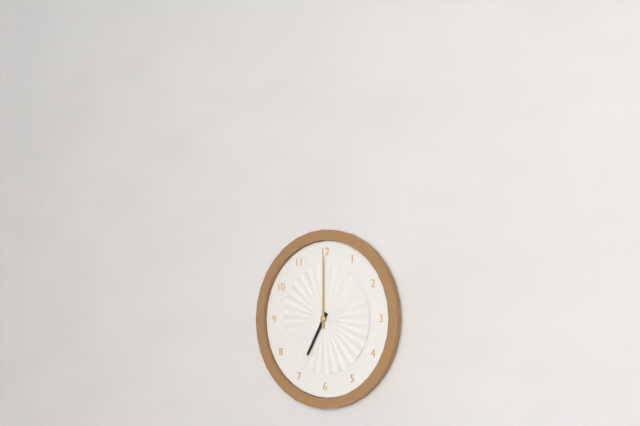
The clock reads {"hour": 7, "minute": 0}
